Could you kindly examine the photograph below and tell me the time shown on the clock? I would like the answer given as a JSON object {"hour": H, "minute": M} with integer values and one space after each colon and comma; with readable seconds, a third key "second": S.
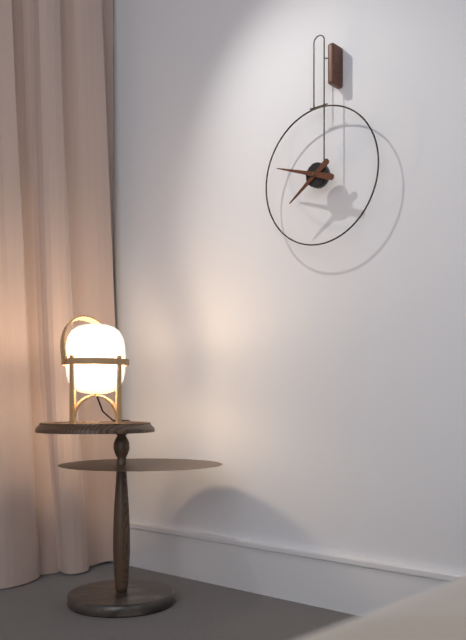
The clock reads {"hour": 7, "minute": 48}
